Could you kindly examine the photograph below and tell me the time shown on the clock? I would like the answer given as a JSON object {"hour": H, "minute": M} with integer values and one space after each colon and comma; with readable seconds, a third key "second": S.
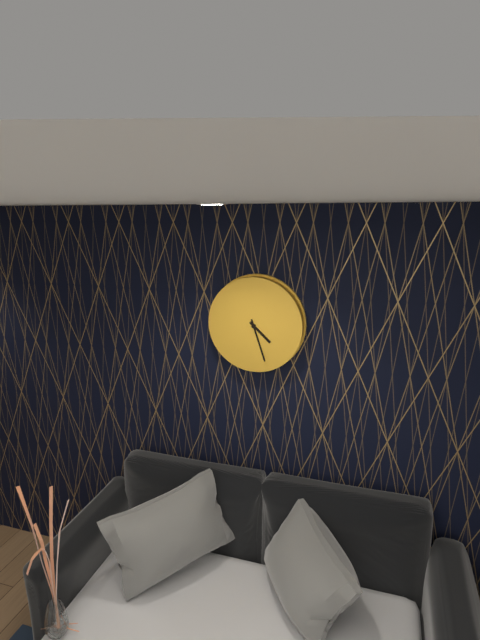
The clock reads {"hour": 4, "minute": 27}
